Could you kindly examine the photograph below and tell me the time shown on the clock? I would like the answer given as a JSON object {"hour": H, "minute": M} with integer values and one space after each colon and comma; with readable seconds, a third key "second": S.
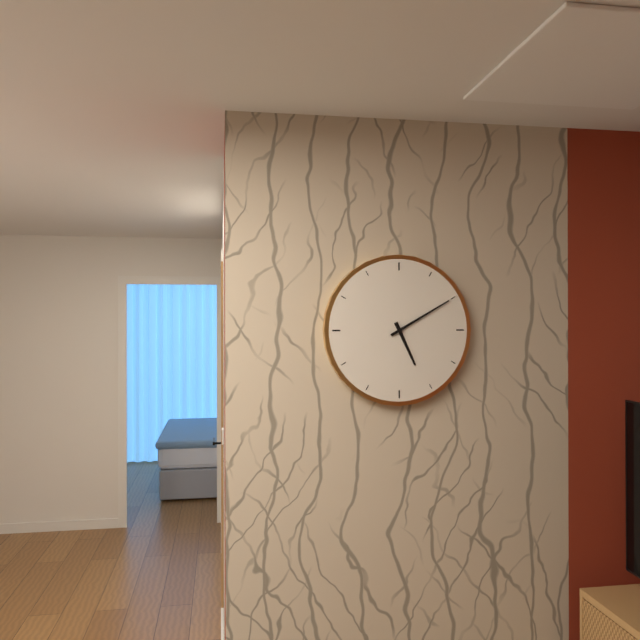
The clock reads {"hour": 5, "minute": 10}
